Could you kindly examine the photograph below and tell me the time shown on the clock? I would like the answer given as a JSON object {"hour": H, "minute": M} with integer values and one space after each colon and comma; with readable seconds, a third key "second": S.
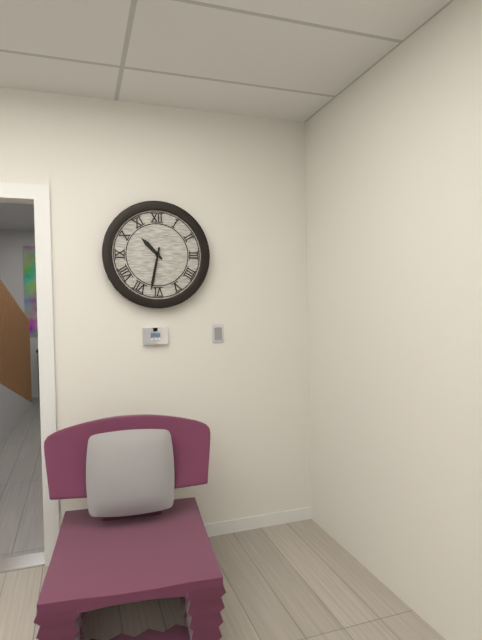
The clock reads {"hour": 10, "minute": 32}
